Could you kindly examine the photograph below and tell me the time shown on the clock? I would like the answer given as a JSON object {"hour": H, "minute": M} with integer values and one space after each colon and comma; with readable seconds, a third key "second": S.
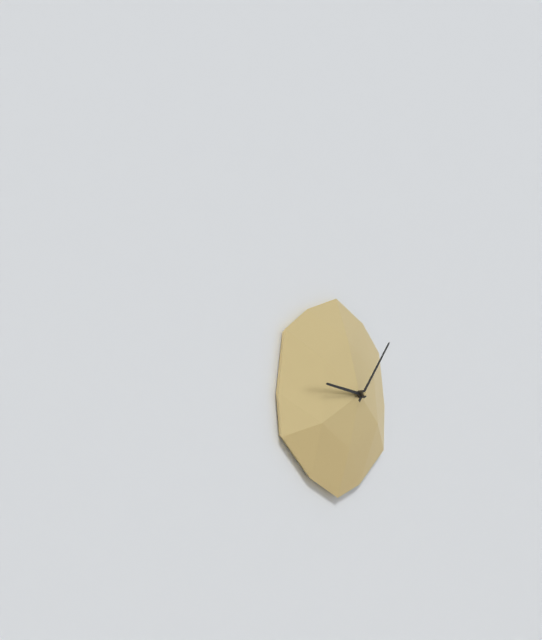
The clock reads {"hour": 9, "minute": 7}
